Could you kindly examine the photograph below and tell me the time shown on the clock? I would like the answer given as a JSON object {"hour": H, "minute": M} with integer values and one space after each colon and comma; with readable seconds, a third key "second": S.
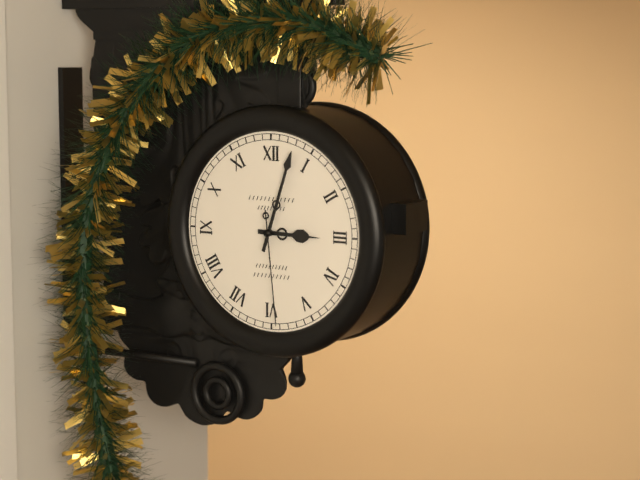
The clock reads {"hour": 3, "minute": 3, "second": 29}
